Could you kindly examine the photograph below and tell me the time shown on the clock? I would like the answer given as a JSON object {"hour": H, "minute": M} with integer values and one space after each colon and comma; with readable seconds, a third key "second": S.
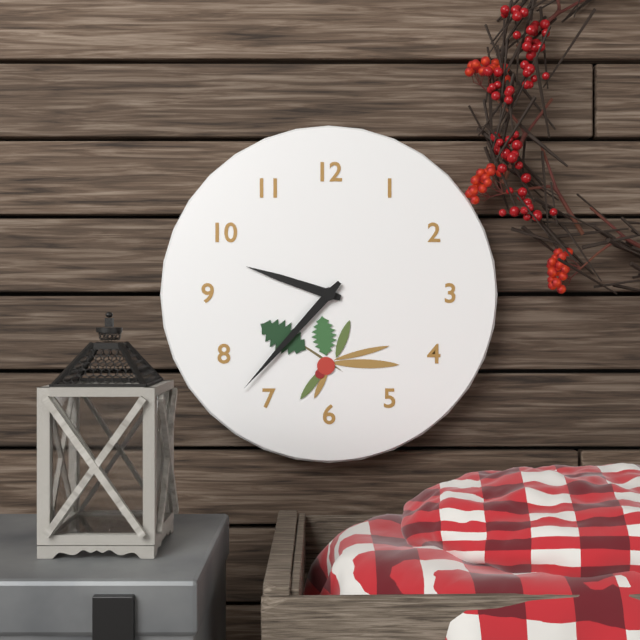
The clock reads {"hour": 9, "minute": 37}
